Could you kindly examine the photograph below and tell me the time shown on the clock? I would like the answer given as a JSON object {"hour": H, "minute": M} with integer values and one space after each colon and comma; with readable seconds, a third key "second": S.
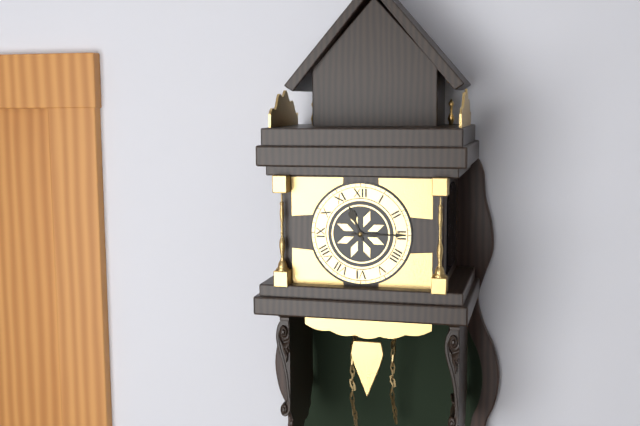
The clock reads {"hour": 11, "minute": 15}
